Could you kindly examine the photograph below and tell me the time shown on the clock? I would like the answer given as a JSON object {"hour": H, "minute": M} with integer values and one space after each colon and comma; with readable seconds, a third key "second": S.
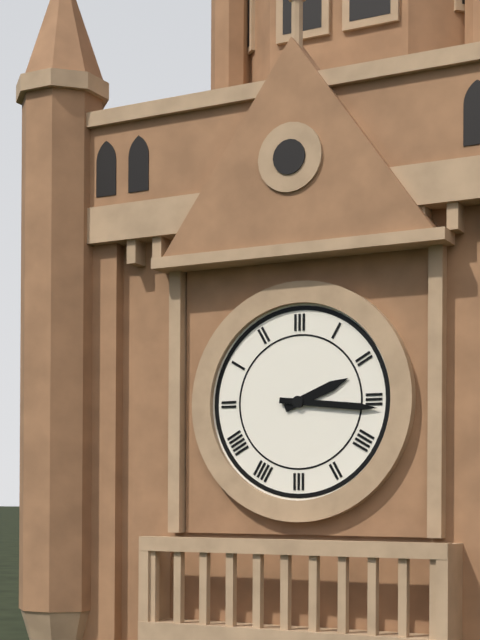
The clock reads {"hour": 2, "minute": 16}
